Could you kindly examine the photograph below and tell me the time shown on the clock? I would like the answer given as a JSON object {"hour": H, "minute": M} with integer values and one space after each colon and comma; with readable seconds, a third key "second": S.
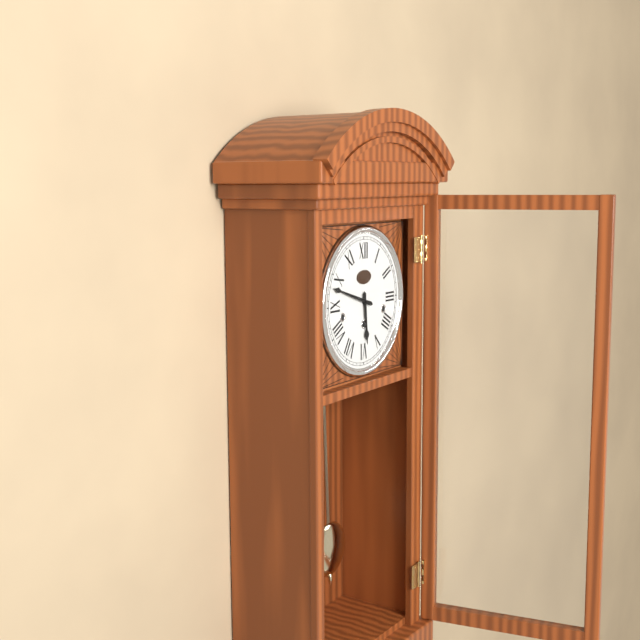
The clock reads {"hour": 5, "minute": 48}
